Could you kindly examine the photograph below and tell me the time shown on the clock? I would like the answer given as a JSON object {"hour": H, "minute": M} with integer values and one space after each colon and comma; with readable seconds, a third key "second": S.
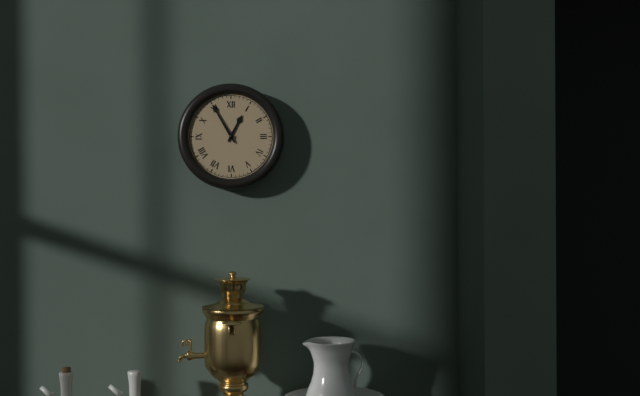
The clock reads {"hour": 12, "minute": 55}
